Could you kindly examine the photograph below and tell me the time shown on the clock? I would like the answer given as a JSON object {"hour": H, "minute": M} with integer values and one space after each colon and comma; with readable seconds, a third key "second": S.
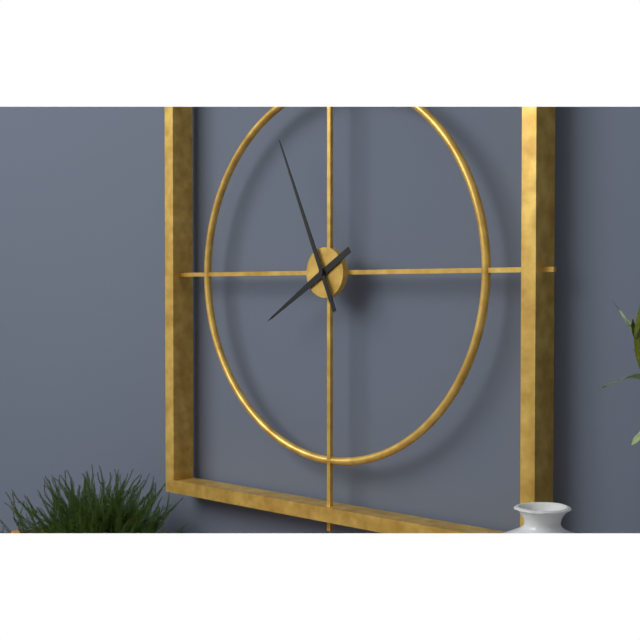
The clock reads {"hour": 7, "minute": 56}
